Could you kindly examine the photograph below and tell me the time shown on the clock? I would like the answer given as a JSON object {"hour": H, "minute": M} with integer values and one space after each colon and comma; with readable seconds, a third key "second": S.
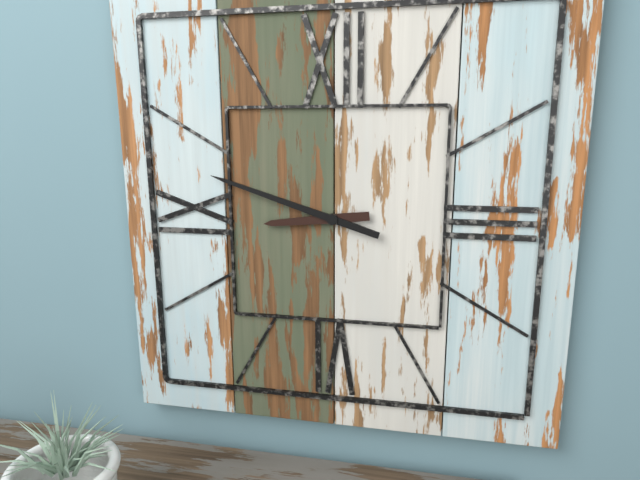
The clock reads {"hour": 8, "minute": 48}
